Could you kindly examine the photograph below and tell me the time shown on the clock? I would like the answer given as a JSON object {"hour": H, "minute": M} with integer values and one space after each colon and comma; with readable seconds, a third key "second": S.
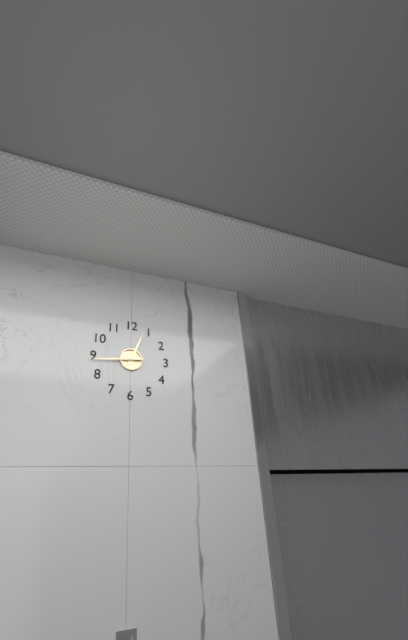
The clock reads {"hour": 12, "minute": 44}
